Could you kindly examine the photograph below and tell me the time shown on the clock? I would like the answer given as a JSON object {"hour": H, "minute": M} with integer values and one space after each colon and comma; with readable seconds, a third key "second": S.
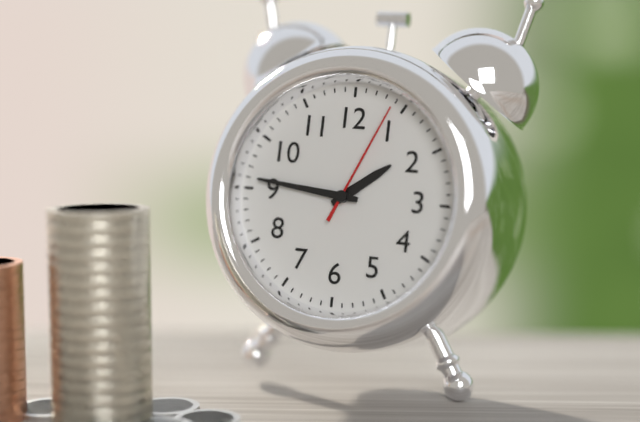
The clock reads {"hour": 1, "minute": 46, "second": 4}
